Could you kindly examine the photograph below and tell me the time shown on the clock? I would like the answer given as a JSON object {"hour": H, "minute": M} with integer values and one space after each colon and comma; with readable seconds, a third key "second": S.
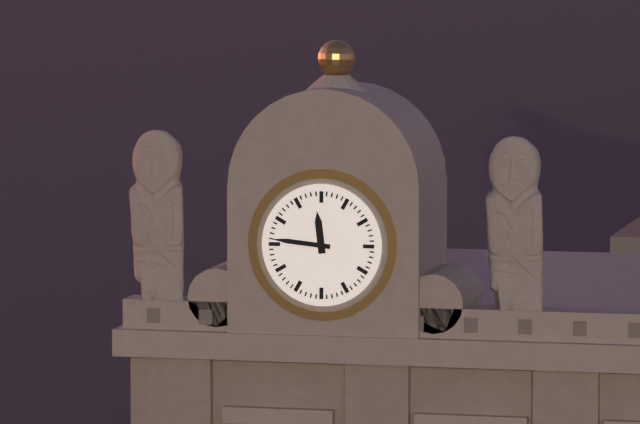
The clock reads {"hour": 11, "minute": 46}
